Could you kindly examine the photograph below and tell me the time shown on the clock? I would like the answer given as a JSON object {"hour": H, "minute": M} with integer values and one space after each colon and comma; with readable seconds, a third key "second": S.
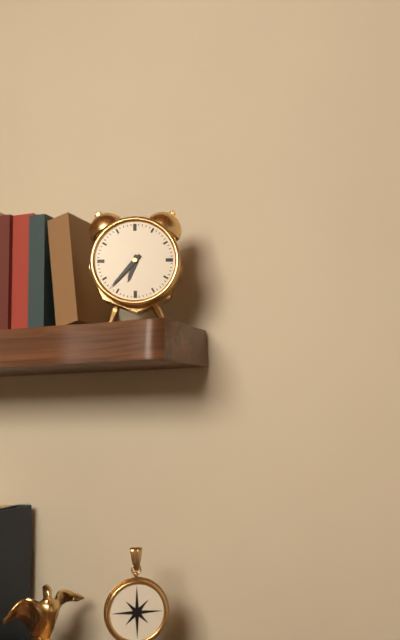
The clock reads {"hour": 6, "minute": 37}
